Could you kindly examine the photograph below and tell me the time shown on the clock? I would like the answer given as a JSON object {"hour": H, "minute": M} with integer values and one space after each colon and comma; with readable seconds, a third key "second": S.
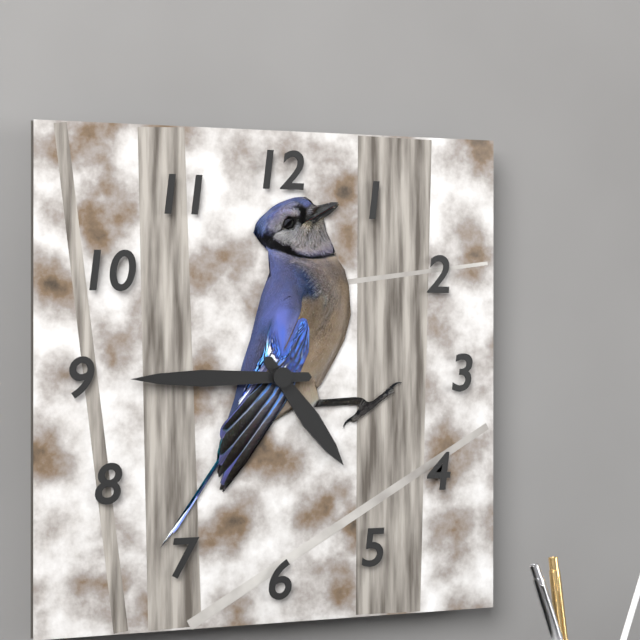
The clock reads {"hour": 4, "minute": 45}
